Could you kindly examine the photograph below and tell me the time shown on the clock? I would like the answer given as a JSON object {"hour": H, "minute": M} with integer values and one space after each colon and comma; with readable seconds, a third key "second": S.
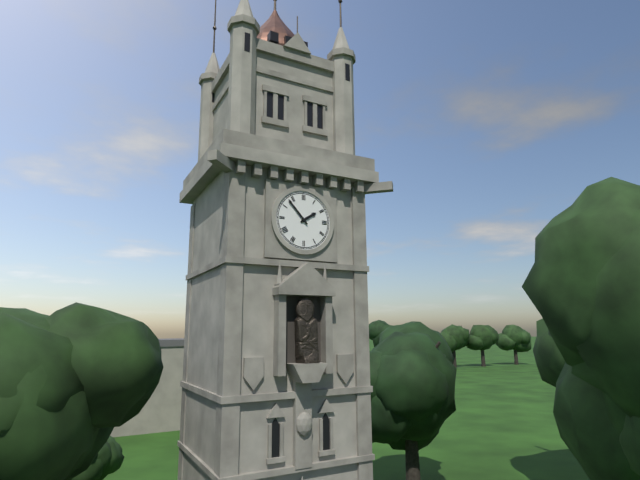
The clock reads {"hour": 1, "minute": 53}
